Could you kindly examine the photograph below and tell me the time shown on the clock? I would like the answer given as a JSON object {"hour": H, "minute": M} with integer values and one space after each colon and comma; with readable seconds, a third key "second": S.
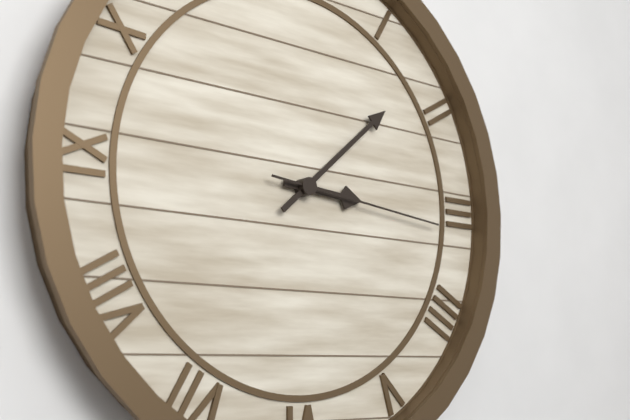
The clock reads {"hour": 3, "minute": 8, "second": 16}
